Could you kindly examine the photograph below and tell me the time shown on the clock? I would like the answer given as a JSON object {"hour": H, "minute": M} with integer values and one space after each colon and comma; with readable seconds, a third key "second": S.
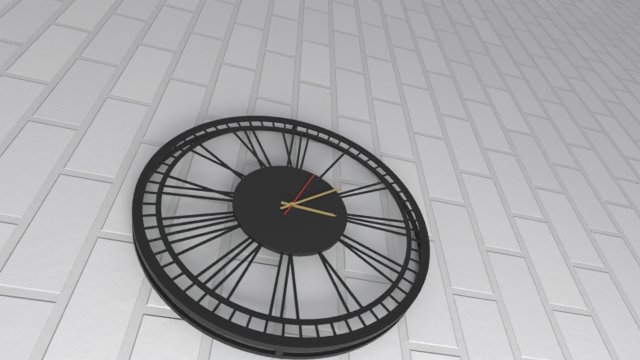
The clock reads {"hour": 3, "minute": 9, "second": 4}
